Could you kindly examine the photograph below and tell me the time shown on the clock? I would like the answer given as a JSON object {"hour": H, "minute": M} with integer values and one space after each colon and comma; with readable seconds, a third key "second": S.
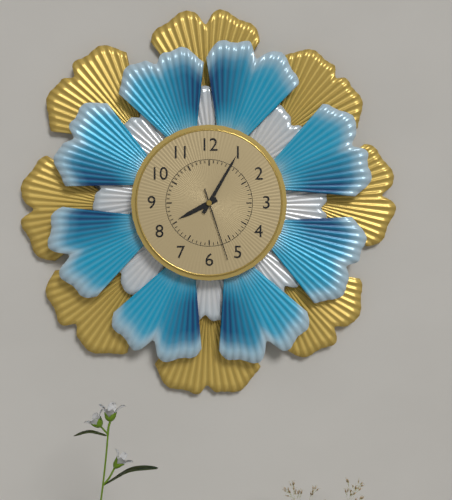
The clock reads {"hour": 8, "minute": 5, "second": 27}
